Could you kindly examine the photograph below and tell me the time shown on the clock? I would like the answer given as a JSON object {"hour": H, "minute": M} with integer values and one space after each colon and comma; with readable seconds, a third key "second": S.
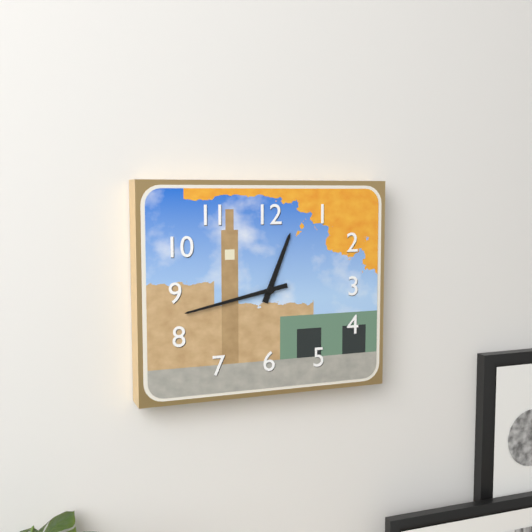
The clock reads {"hour": 12, "minute": 43}
